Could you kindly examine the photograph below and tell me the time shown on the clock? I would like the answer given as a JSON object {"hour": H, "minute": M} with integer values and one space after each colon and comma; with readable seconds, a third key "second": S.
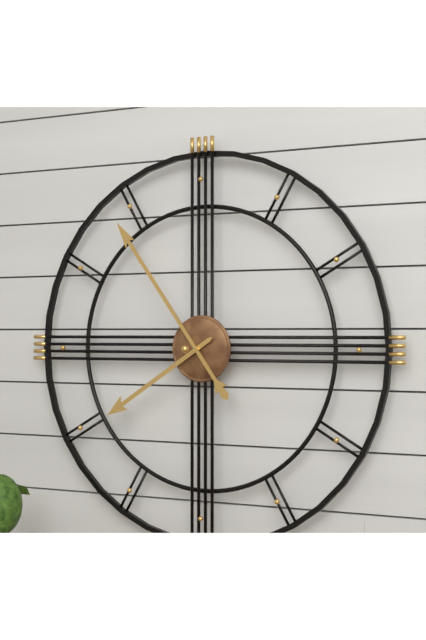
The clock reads {"hour": 7, "minute": 54}
